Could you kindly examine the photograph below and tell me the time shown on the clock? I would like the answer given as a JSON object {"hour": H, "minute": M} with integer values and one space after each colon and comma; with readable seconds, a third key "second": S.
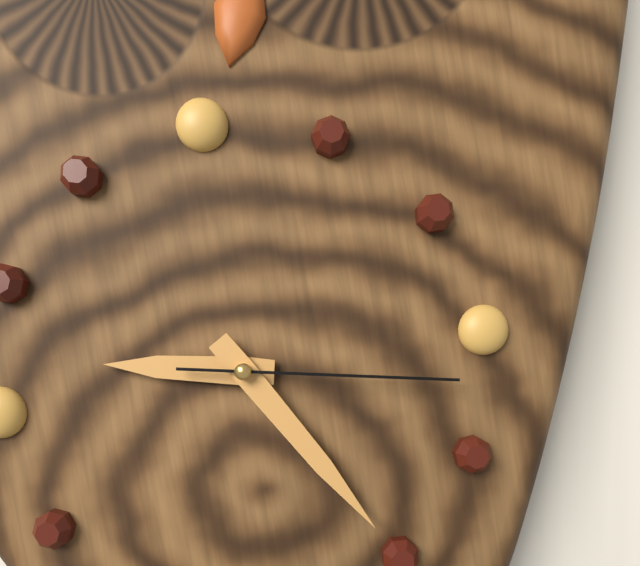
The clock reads {"hour": 9, "minute": 25, "second": 17}
